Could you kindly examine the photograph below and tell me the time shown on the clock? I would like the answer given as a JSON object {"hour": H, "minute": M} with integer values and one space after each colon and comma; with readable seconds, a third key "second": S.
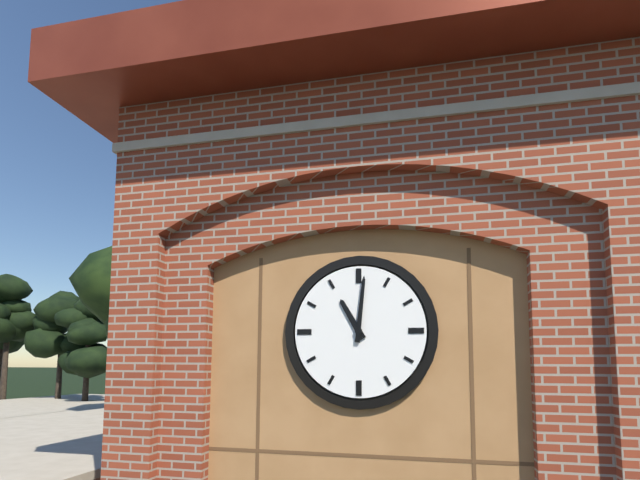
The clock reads {"hour": 11, "minute": 1}
